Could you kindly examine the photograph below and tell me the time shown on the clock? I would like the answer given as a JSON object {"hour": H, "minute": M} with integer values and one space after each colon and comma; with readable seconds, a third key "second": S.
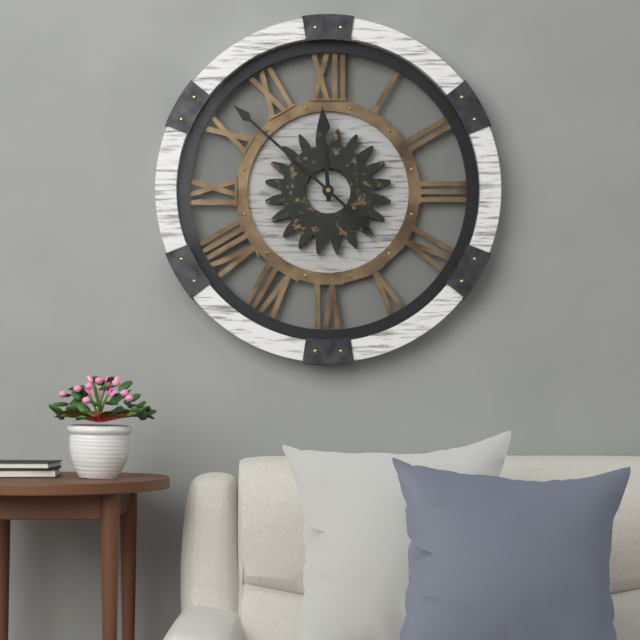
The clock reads {"hour": 11, "minute": 52}
